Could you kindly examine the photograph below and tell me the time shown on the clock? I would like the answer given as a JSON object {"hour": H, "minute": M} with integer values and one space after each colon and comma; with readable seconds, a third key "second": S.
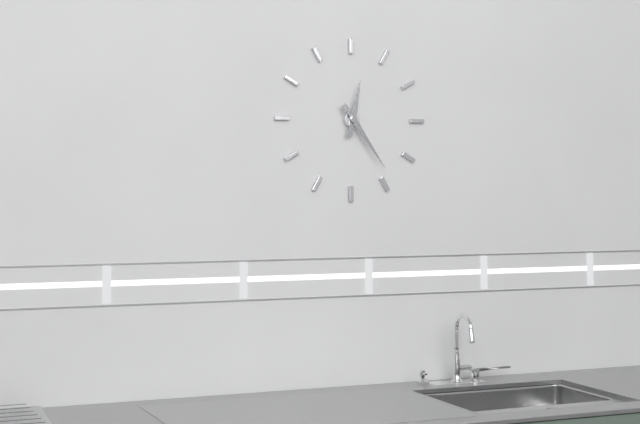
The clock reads {"hour": 12, "minute": 24}
